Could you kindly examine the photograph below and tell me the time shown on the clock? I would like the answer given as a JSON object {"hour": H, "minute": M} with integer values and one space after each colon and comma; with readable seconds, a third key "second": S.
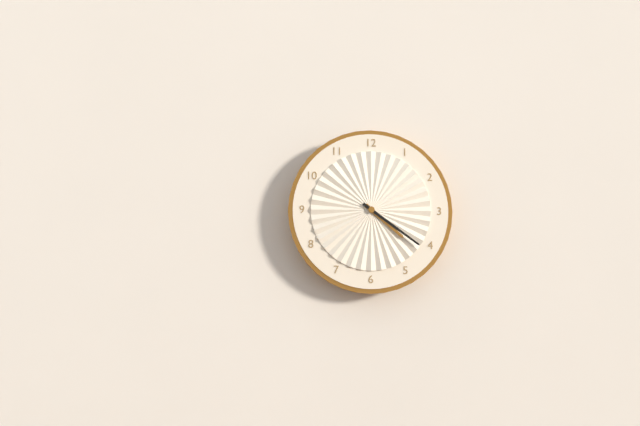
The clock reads {"hour": 4, "minute": 21}
